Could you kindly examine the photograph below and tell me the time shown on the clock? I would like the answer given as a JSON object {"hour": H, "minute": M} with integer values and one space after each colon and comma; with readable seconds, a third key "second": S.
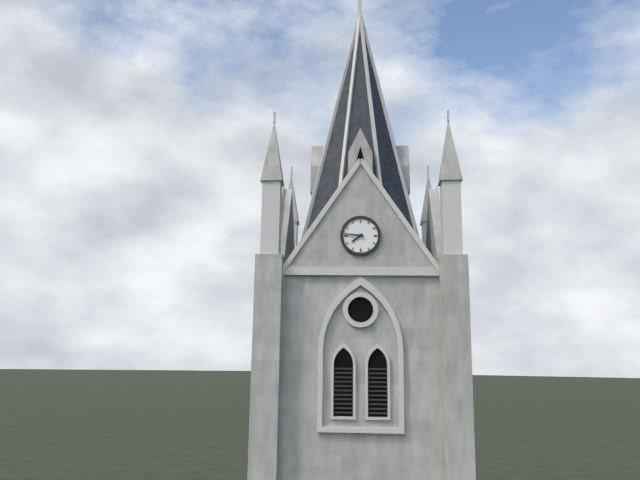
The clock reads {"hour": 7, "minute": 46}
